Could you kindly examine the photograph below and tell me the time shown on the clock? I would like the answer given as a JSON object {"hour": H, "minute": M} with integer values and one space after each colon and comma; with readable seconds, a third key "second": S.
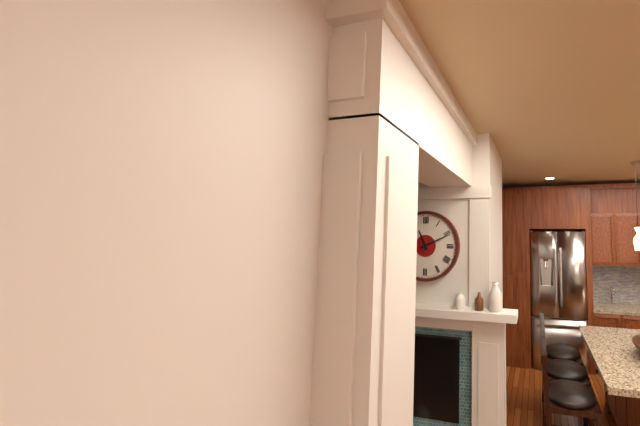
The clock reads {"hour": 11, "minute": 11}
